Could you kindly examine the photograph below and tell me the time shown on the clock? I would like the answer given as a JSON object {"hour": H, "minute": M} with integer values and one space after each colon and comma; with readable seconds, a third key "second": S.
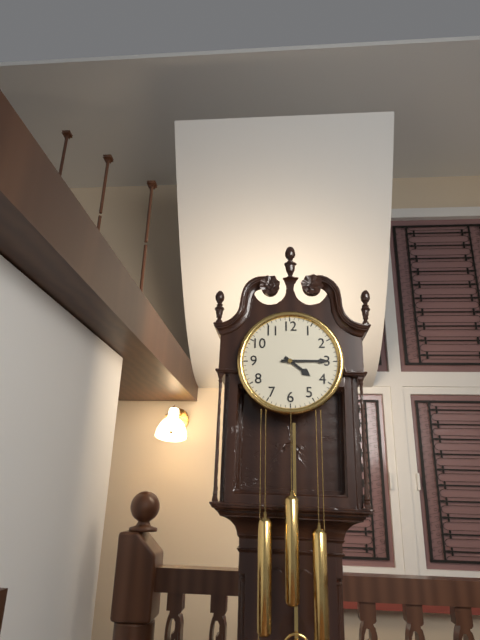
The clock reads {"hour": 4, "minute": 15}
